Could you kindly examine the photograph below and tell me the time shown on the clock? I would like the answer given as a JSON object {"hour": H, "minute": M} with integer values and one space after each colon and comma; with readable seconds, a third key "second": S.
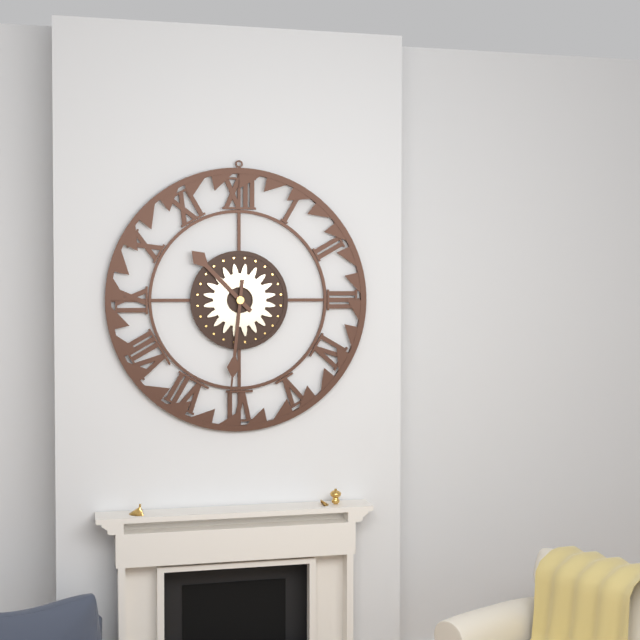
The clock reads {"hour": 10, "minute": 31}
